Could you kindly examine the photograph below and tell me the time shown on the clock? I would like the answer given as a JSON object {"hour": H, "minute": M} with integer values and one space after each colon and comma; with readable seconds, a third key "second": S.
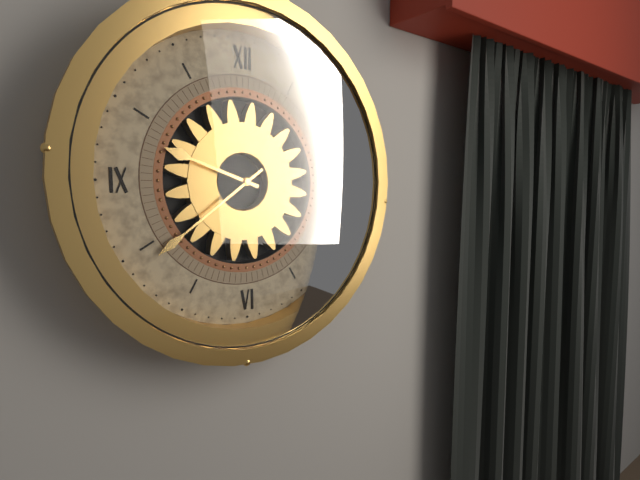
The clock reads {"hour": 9, "minute": 39}
